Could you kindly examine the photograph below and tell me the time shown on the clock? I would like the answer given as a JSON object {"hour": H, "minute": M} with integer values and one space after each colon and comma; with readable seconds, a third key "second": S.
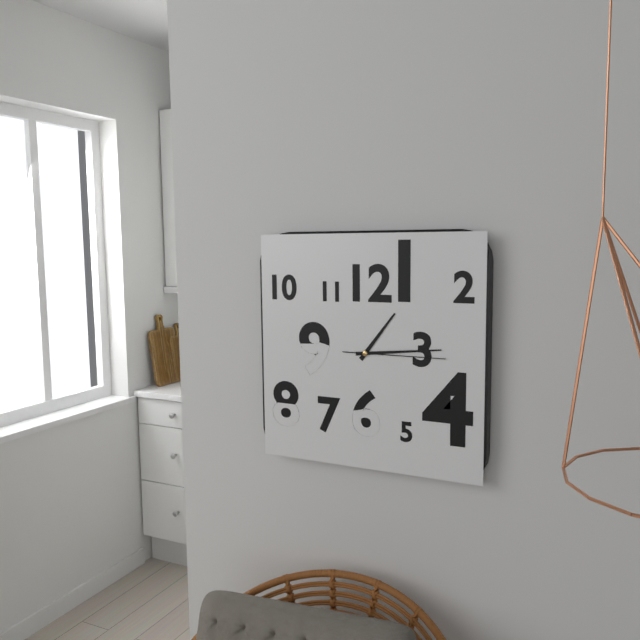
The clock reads {"hour": 1, "minute": 14, "second": 15}
